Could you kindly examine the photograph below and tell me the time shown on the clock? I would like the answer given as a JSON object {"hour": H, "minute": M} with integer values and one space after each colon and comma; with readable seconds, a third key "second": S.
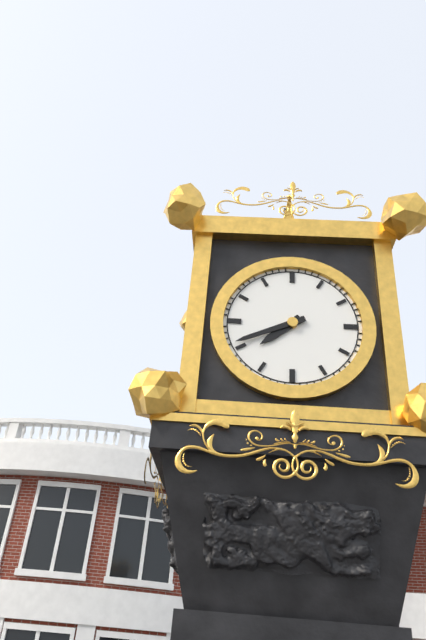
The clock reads {"hour": 7, "minute": 41}
